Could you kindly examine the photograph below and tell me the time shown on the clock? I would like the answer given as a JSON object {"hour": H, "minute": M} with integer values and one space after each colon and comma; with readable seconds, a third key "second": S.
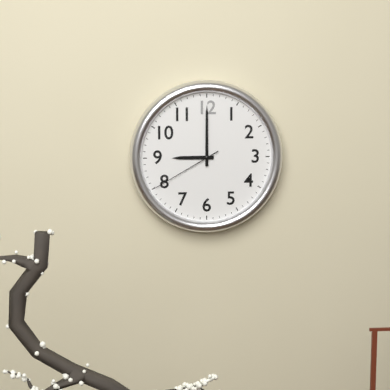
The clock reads {"hour": 9, "minute": 0, "second": 40}
